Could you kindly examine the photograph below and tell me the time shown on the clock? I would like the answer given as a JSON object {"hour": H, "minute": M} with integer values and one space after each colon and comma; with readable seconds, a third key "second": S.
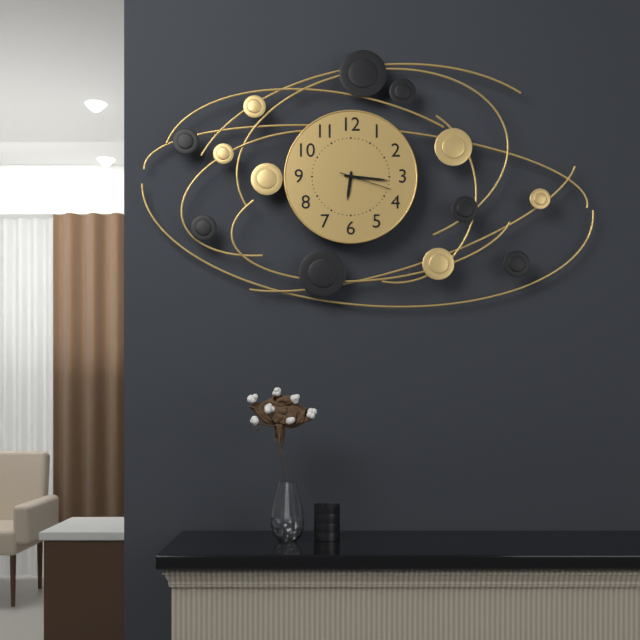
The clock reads {"hour": 6, "minute": 16, "second": 18}
